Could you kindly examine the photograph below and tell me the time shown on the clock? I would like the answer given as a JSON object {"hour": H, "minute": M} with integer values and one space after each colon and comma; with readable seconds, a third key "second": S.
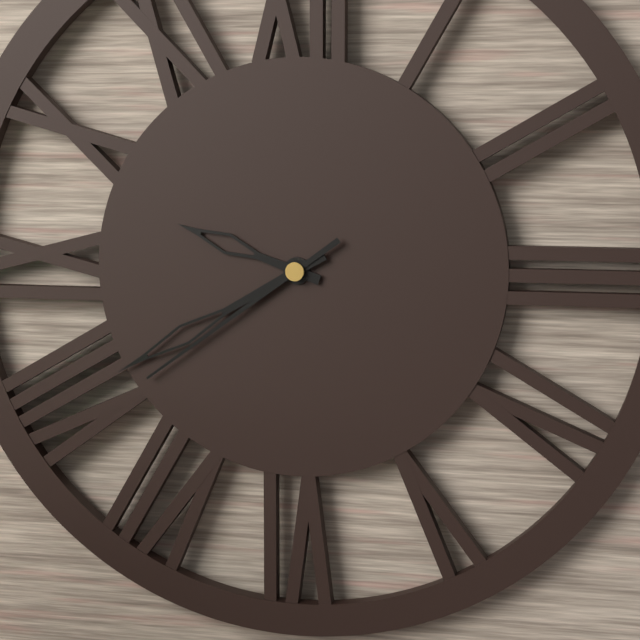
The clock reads {"hour": 9, "minute": 40, "second": 39}
